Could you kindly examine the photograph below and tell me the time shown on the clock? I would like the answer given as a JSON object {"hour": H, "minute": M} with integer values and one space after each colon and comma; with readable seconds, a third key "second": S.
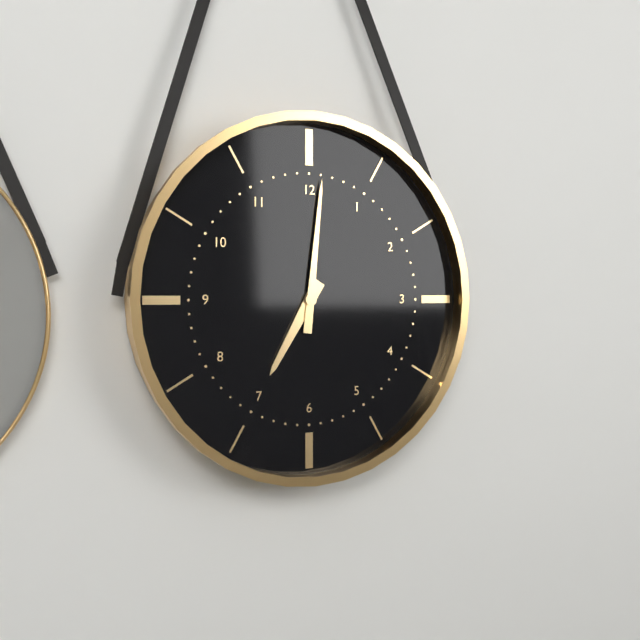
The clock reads {"hour": 7, "minute": 1}
